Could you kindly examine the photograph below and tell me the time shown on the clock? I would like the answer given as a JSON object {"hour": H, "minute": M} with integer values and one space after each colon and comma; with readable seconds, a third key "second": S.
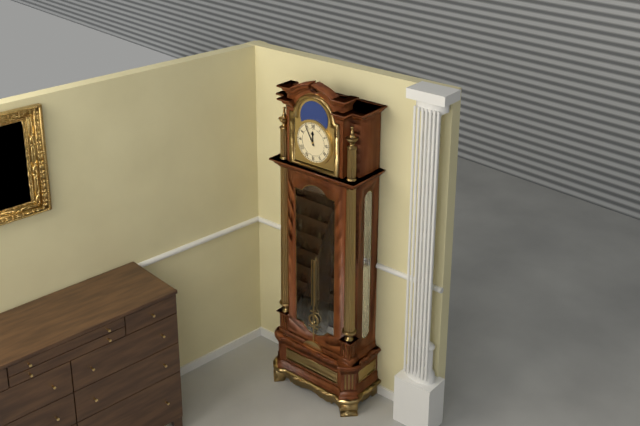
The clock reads {"hour": 11, "minute": 55}
